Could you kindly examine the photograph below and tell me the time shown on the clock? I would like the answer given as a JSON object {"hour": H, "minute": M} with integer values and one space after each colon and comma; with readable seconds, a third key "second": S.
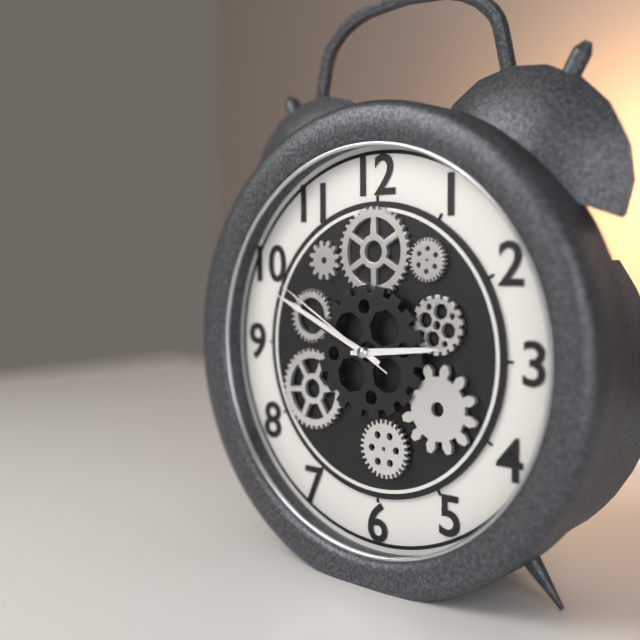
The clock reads {"hour": 2, "minute": 49, "second": 50}
